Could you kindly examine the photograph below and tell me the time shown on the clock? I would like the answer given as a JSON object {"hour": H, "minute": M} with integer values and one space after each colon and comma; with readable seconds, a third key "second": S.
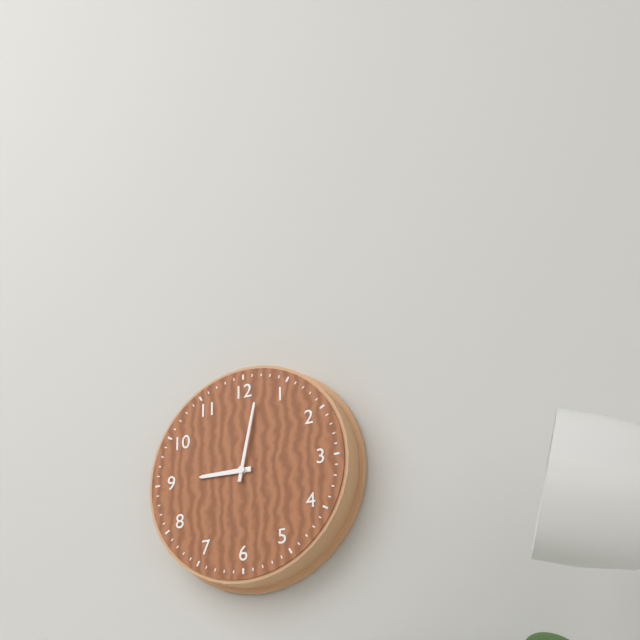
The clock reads {"hour": 9, "minute": 2}
